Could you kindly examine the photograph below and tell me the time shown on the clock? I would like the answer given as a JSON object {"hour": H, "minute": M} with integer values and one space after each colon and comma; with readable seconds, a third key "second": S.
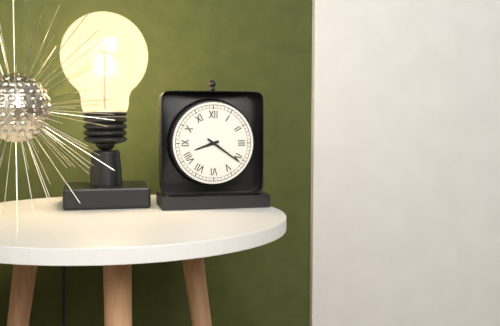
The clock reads {"hour": 8, "minute": 21}
